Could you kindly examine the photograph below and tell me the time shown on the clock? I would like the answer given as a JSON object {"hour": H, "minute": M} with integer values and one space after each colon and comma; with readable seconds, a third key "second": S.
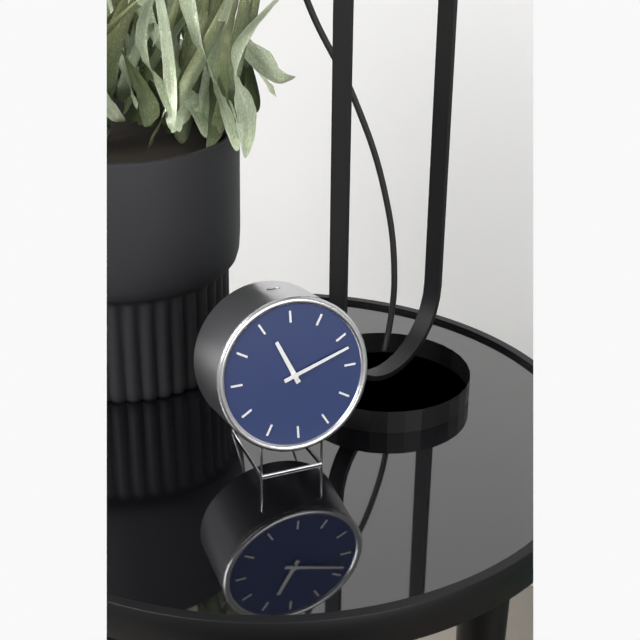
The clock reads {"hour": 11, "minute": 12}
